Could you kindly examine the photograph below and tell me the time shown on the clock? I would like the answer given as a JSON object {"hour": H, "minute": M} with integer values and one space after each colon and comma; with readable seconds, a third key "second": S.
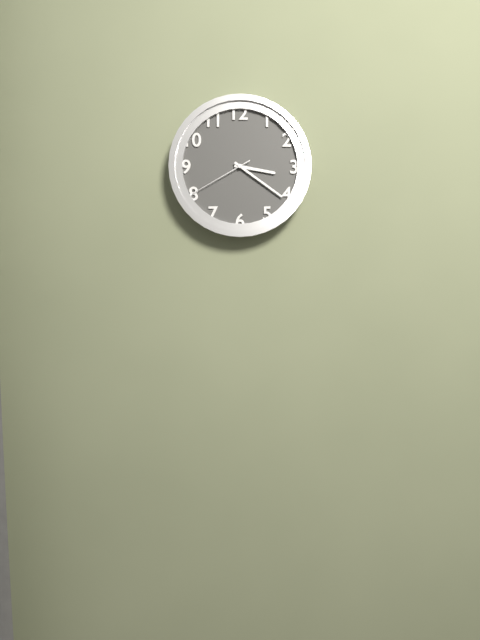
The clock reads {"hour": 3, "minute": 21, "second": 40}
